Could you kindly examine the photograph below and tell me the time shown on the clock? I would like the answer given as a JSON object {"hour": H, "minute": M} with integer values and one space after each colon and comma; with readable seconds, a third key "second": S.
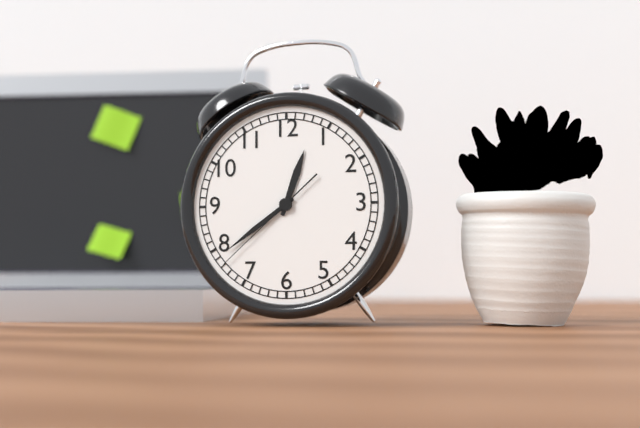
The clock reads {"hour": 12, "minute": 39, "second": 38}
